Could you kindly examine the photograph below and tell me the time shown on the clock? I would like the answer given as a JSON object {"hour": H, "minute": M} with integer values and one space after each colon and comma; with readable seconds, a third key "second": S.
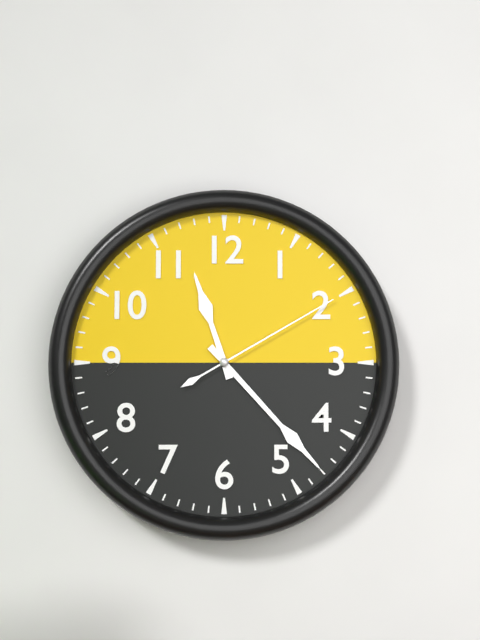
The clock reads {"hour": 11, "minute": 23, "second": 10}
